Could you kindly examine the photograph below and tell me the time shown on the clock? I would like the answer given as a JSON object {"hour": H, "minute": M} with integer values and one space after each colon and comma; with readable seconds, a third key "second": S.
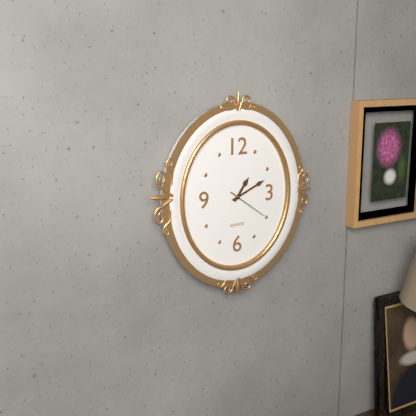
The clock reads {"hour": 1, "minute": 11, "second": 21}
